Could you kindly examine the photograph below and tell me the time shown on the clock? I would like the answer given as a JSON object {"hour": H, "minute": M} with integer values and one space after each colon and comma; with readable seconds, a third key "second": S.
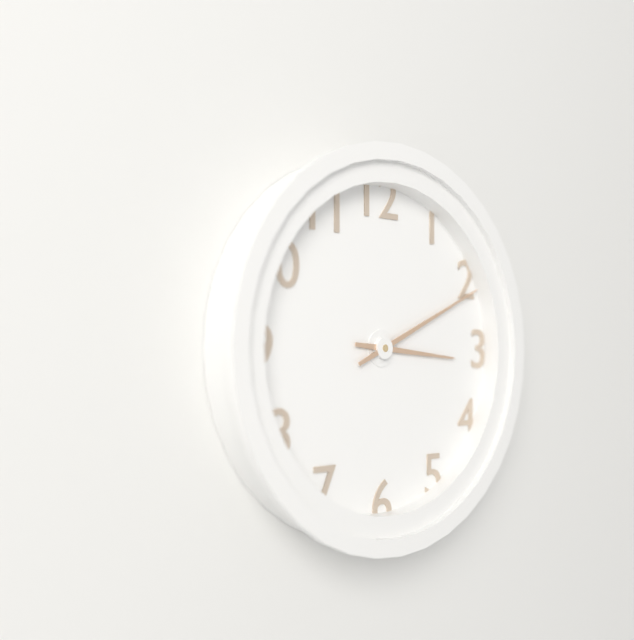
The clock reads {"hour": 3, "minute": 11}
